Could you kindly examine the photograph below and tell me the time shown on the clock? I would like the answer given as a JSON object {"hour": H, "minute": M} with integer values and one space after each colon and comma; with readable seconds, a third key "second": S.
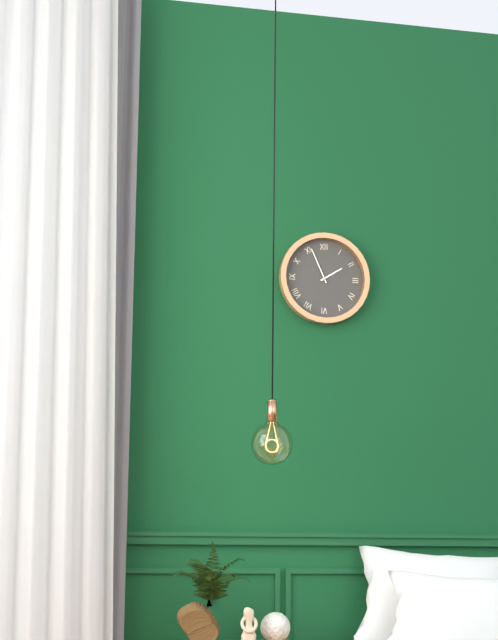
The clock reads {"hour": 1, "minute": 56}
